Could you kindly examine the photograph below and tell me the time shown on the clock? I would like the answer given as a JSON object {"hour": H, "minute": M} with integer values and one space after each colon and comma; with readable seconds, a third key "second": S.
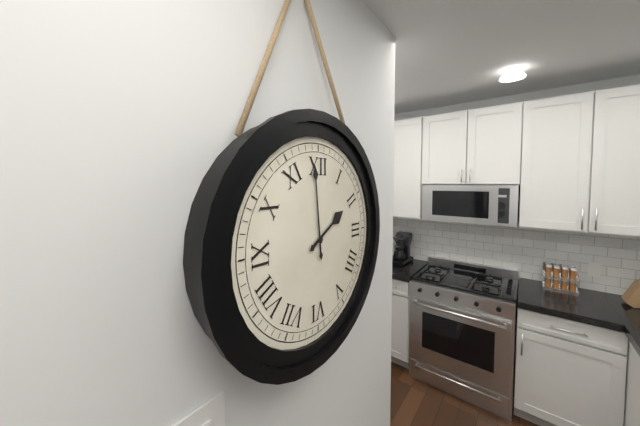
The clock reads {"hour": 1, "minute": 59}
